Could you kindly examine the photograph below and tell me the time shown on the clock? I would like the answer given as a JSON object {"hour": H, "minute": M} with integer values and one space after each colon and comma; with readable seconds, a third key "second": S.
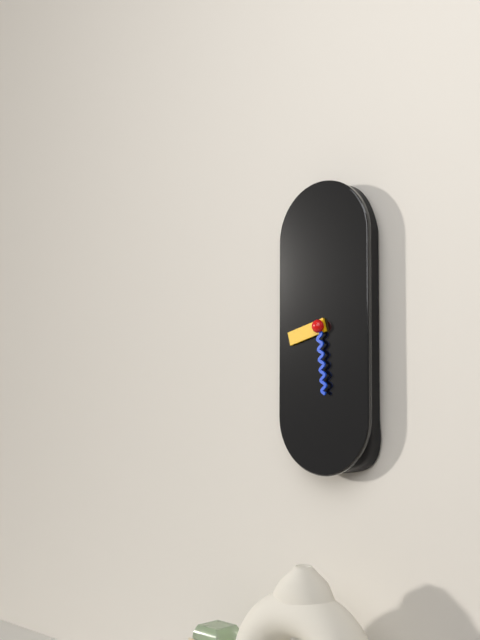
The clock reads {"hour": 8, "minute": 29}
